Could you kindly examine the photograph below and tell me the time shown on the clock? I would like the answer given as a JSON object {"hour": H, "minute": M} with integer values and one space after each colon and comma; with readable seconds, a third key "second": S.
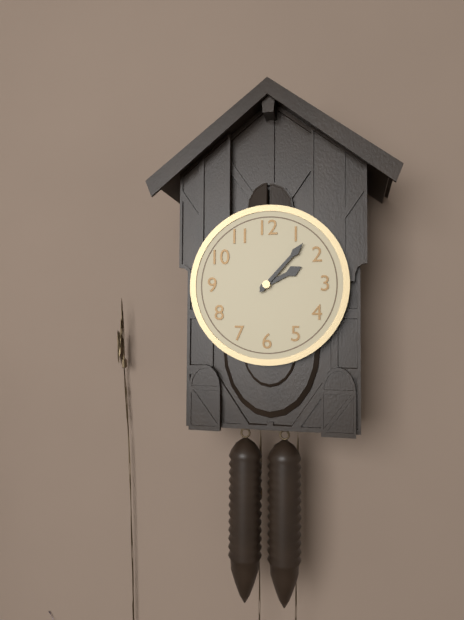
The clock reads {"hour": 2, "minute": 7}
